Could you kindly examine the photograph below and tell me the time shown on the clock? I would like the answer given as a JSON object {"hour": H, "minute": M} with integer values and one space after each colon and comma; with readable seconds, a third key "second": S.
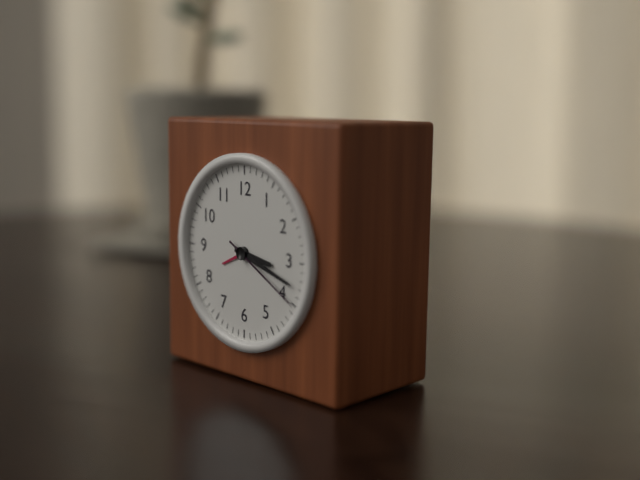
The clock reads {"hour": 3, "minute": 18, "second": 20}
